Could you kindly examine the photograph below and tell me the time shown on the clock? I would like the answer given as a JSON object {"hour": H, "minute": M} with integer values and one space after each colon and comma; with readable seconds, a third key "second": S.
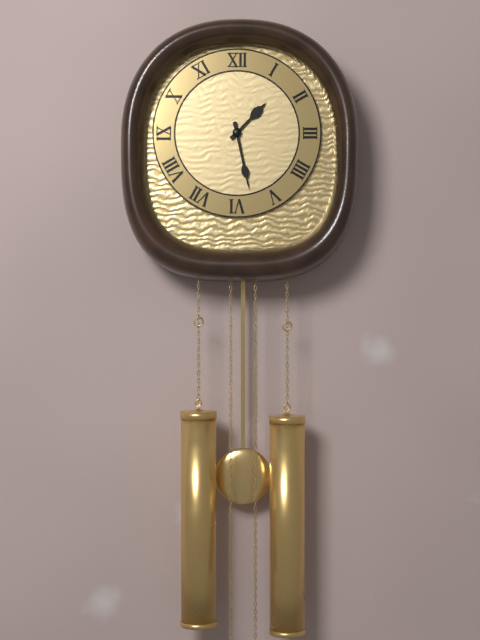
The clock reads {"hour": 1, "minute": 28}
